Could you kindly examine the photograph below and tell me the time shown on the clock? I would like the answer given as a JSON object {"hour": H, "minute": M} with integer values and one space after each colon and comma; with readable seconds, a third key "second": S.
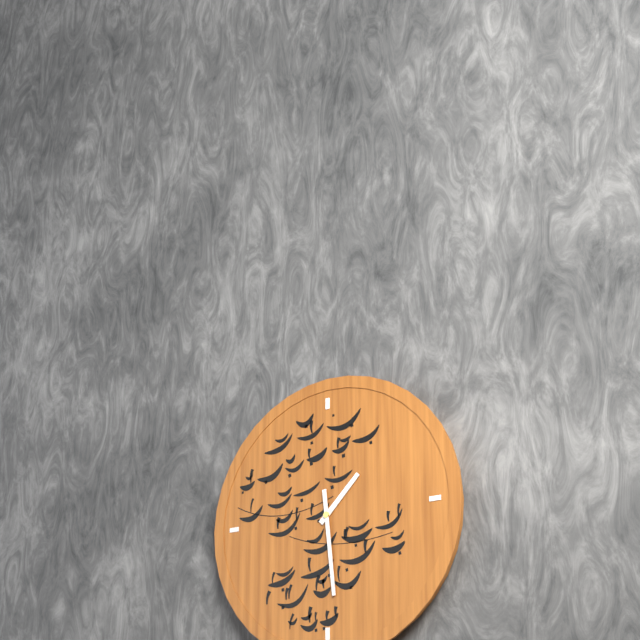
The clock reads {"hour": 1, "minute": 29}
